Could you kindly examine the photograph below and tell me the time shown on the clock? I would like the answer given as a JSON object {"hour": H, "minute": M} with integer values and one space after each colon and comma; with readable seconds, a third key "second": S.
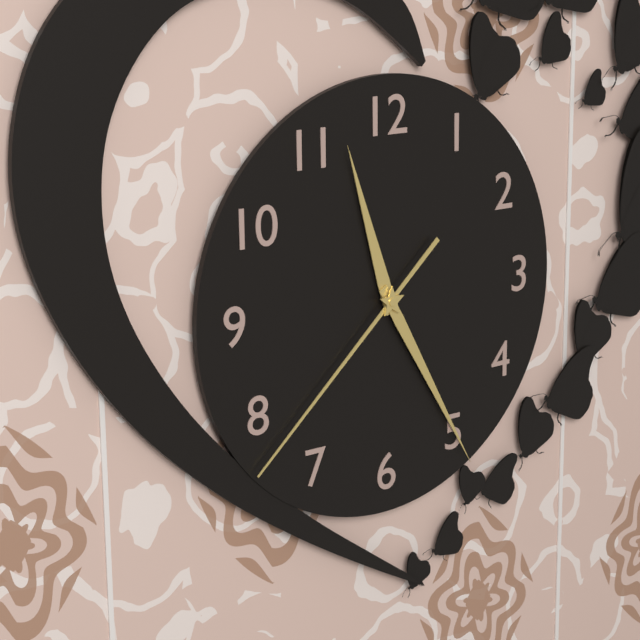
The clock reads {"hour": 11, "minute": 25, "second": 38}
